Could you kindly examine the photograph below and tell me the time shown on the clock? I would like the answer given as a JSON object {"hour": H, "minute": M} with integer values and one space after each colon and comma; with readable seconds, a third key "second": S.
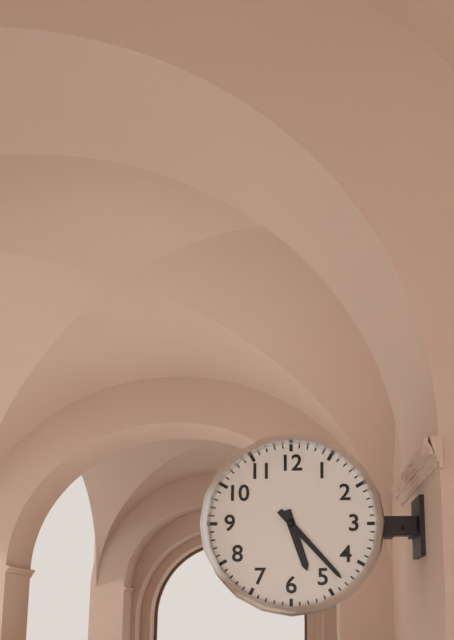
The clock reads {"hour": 5, "minute": 23}
